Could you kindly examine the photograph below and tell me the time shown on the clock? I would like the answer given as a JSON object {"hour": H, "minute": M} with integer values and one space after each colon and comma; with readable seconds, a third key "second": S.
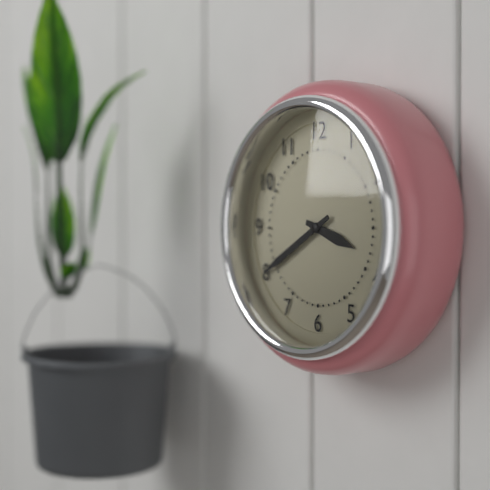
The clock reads {"hour": 3, "minute": 40}
